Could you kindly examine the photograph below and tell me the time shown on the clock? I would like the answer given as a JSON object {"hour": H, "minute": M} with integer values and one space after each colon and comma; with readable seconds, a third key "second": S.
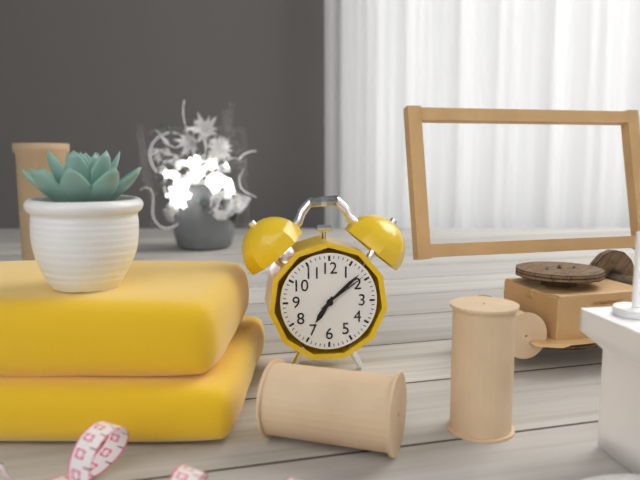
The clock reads {"hour": 7, "minute": 8, "second": 9}
